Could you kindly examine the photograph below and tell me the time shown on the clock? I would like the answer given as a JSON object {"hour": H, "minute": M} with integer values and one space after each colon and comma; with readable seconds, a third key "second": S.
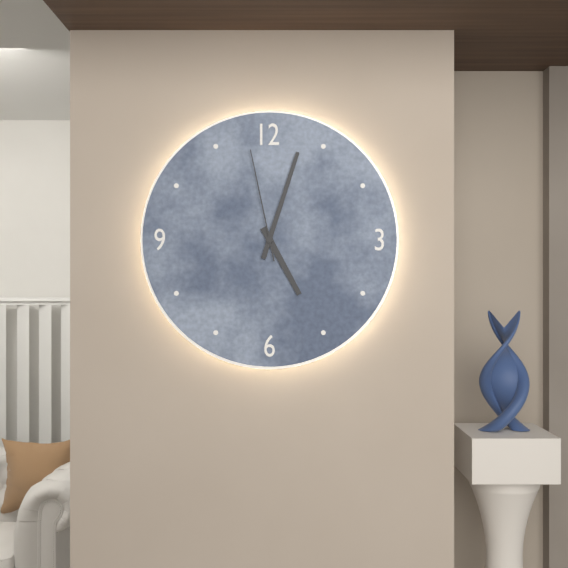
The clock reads {"hour": 5, "minute": 3, "second": 58}
